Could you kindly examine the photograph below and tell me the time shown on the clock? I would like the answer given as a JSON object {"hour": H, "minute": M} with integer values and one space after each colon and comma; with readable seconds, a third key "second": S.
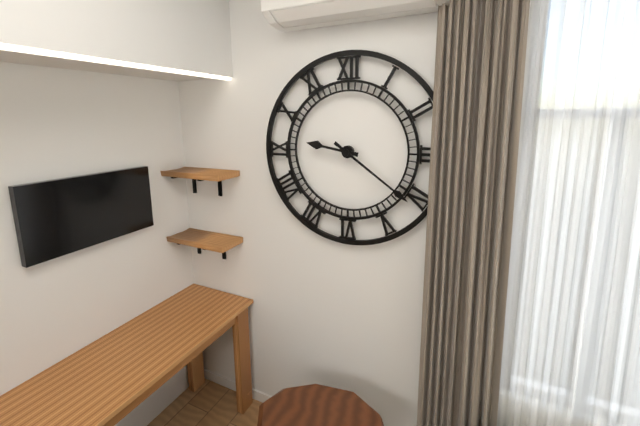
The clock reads {"hour": 9, "minute": 21}
